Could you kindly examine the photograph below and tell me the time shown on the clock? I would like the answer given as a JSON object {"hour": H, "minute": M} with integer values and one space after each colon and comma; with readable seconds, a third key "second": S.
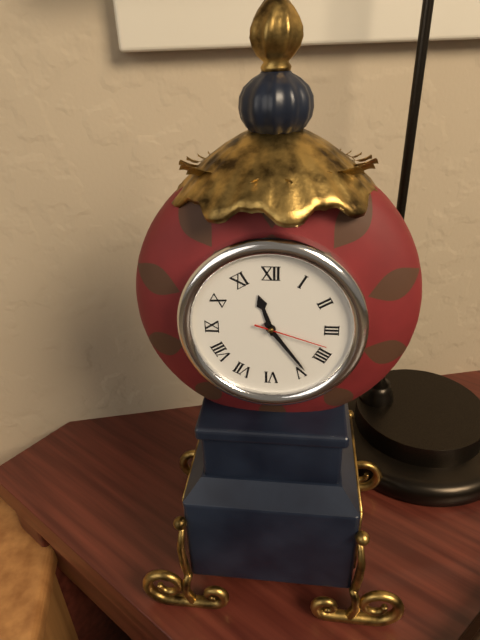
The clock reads {"hour": 11, "minute": 24, "second": 18}
